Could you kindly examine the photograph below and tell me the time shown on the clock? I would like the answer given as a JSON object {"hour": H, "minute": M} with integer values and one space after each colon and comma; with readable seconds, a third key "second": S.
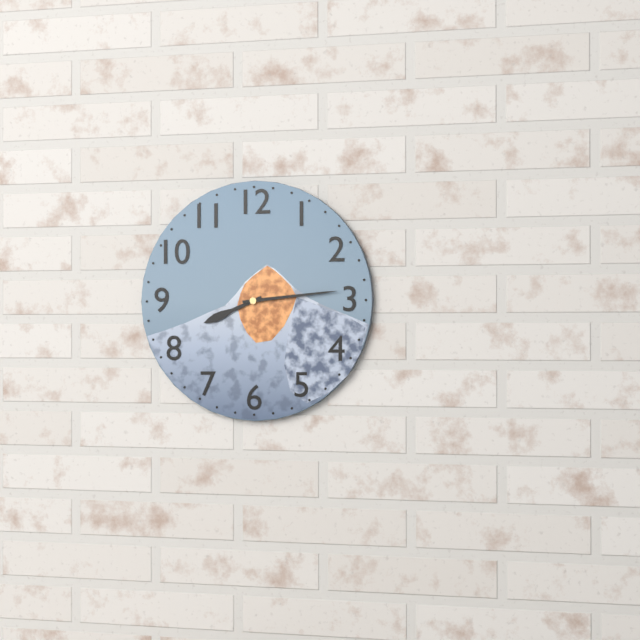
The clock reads {"hour": 8, "minute": 14}
